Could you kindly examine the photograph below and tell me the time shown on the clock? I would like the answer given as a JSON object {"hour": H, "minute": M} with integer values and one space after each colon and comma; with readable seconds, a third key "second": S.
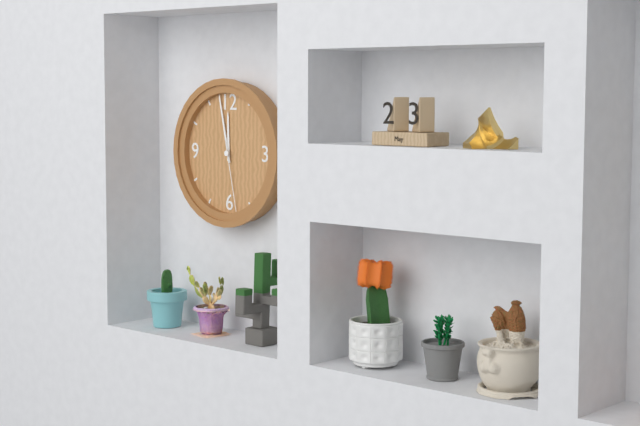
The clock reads {"hour": 11, "minute": 58, "second": 28}
